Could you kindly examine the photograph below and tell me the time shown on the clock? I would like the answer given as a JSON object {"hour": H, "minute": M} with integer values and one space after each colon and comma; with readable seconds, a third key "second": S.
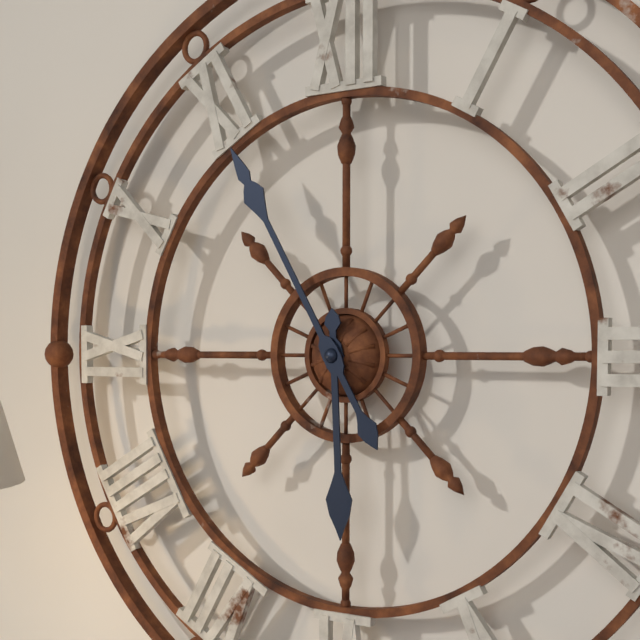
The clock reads {"hour": 5, "minute": 55}
